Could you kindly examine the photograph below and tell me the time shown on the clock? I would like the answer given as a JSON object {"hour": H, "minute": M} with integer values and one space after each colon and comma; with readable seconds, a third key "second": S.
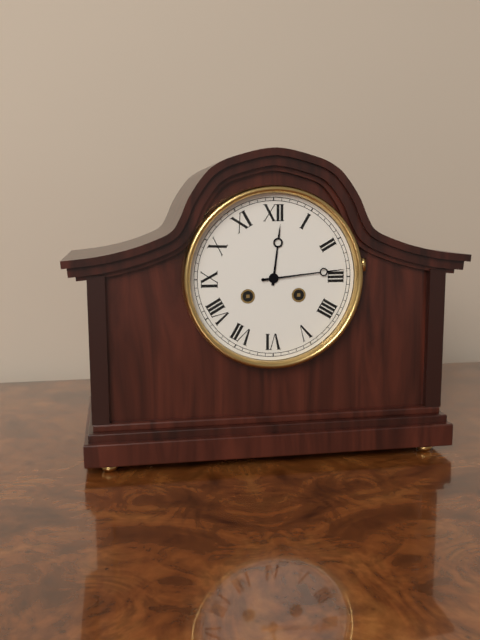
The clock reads {"hour": 12, "minute": 14}
